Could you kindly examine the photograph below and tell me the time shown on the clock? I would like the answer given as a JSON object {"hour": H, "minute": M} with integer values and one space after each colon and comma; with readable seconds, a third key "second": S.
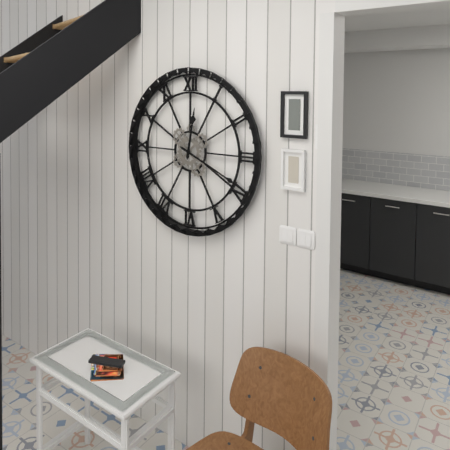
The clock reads {"hour": 12, "minute": 19}
